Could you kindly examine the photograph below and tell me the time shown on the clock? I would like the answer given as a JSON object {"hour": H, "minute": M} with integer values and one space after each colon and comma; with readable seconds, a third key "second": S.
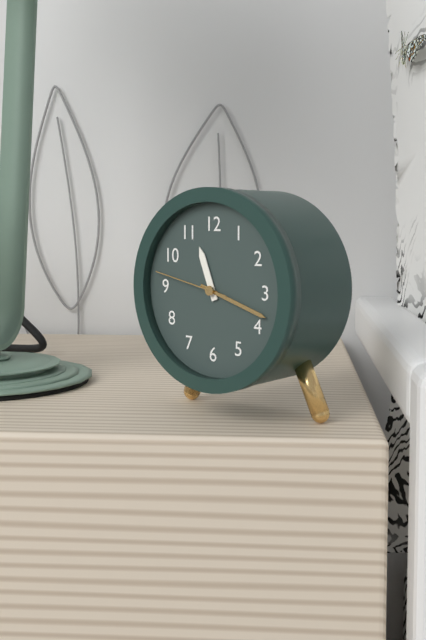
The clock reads {"hour": 11, "minute": 18, "second": 47}
